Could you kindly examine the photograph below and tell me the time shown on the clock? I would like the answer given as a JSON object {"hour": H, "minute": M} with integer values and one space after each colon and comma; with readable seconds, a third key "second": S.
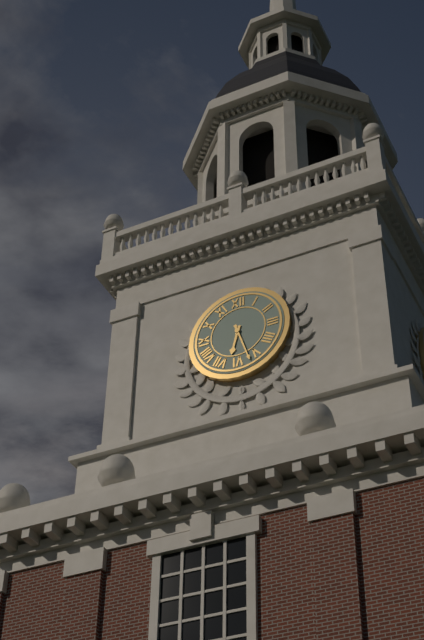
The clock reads {"hour": 6, "minute": 27}
